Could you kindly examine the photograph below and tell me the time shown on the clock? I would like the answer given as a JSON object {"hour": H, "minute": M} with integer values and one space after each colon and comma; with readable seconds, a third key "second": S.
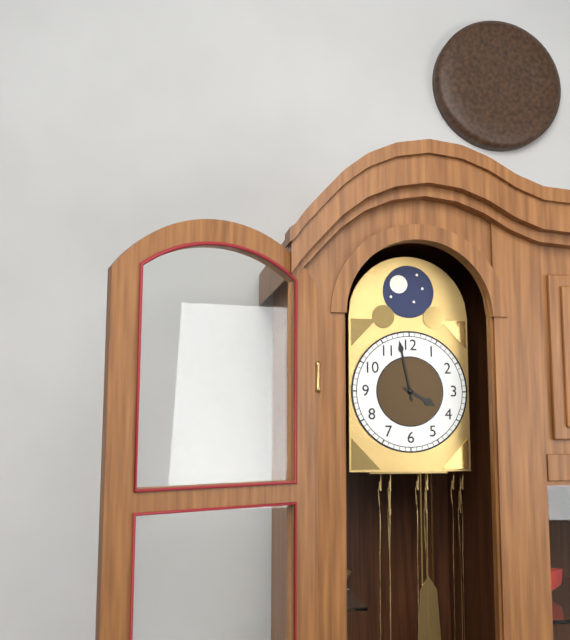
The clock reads {"hour": 3, "minute": 58}
